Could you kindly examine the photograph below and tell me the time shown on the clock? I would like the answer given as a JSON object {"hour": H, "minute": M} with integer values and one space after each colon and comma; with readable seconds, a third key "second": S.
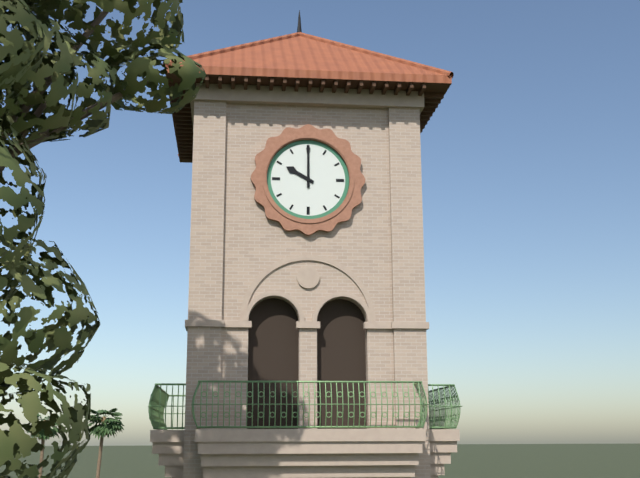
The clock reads {"hour": 10, "minute": 0}
